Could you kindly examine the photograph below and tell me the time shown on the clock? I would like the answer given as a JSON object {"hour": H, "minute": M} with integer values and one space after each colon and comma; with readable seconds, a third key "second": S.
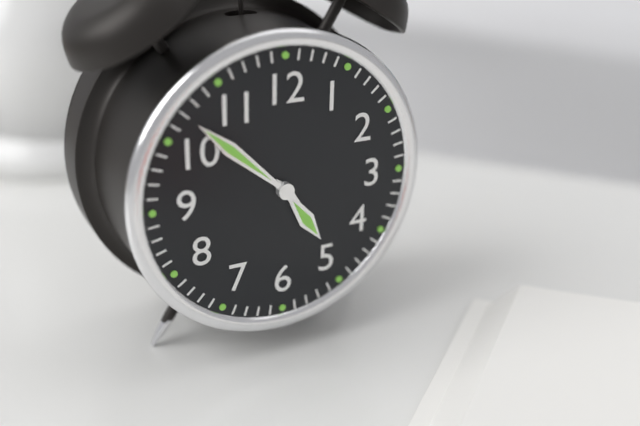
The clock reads {"hour": 4, "minute": 52}
